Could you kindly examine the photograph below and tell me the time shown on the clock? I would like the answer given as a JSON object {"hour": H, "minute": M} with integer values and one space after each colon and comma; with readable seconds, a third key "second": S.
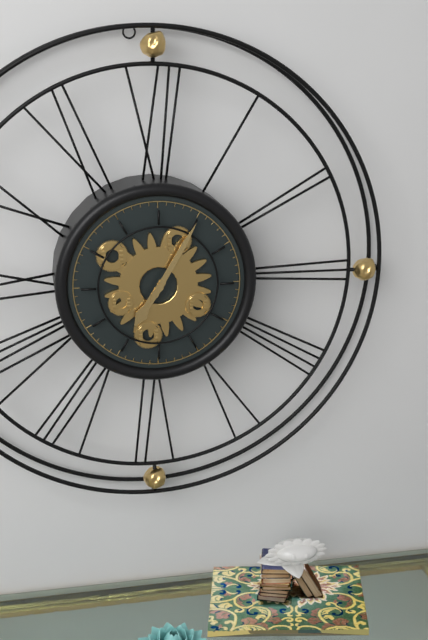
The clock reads {"hour": 7, "minute": 5}
